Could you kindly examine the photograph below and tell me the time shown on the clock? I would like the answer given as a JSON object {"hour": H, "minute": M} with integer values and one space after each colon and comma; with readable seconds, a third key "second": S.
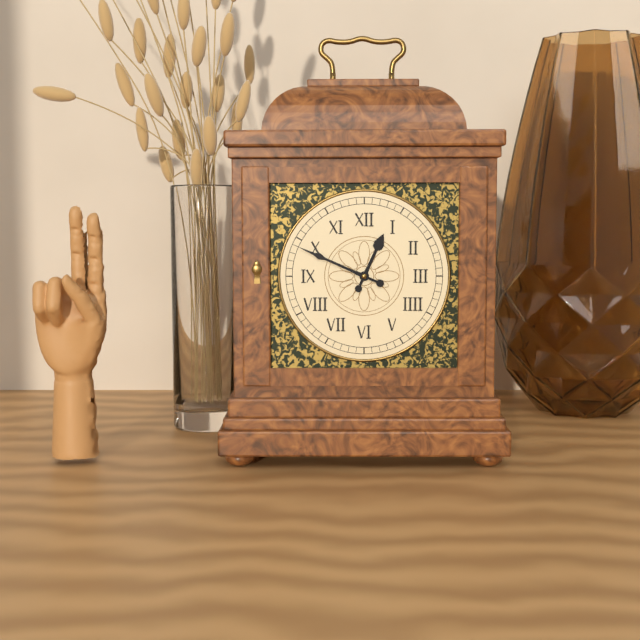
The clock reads {"hour": 12, "minute": 49}
